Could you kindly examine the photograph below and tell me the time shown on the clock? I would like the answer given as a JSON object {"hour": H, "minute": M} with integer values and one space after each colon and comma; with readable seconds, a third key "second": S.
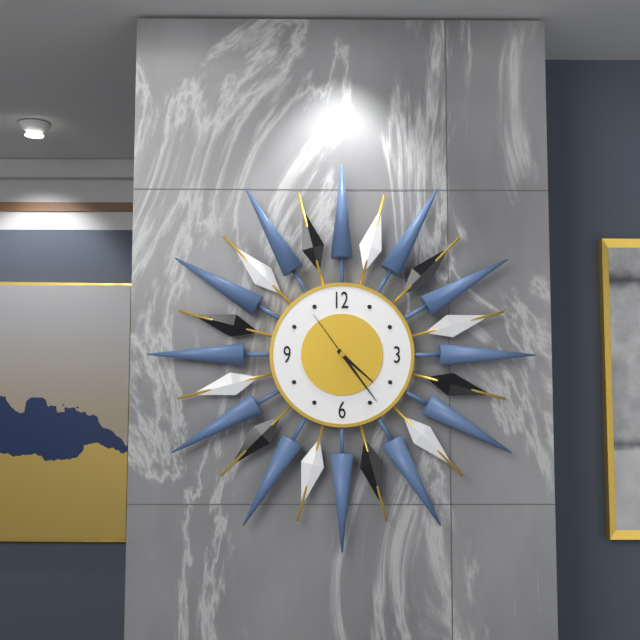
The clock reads {"hour": 4, "minute": 24, "second": 54}
